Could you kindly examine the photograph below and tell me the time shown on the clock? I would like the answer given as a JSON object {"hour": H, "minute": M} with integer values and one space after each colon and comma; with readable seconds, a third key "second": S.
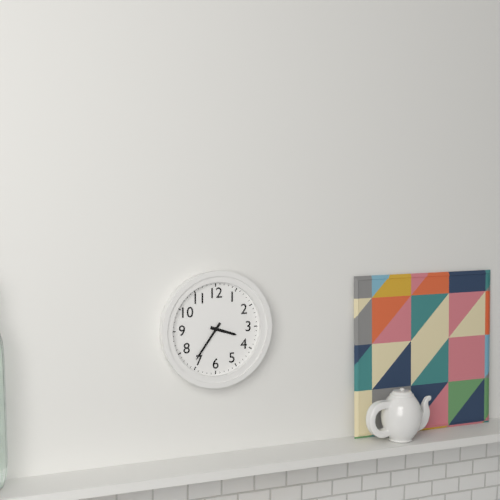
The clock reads {"hour": 3, "minute": 36}
